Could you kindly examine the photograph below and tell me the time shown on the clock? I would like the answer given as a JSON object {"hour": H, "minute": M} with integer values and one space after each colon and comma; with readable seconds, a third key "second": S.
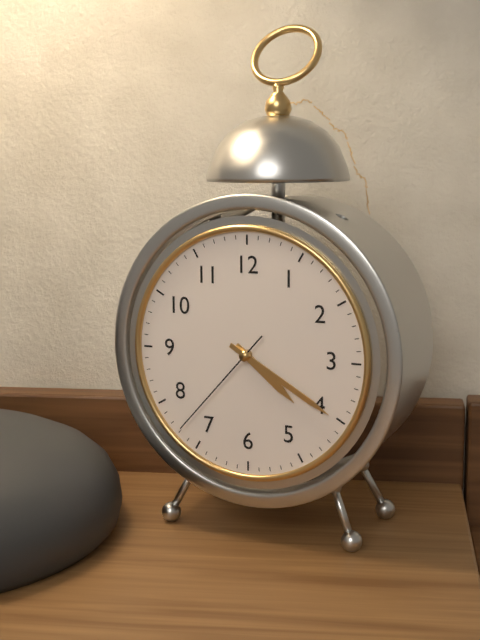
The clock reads {"hour": 4, "minute": 20, "second": 37}
